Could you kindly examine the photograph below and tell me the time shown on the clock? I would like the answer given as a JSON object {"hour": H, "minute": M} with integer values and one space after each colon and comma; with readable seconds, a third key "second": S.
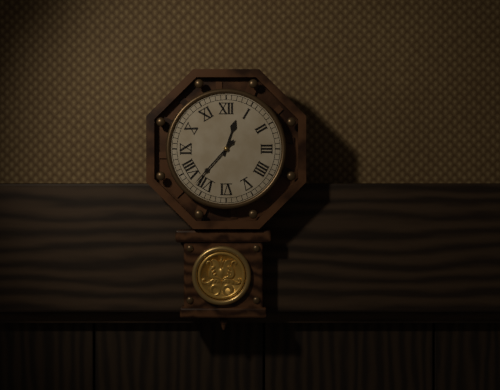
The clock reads {"hour": 12, "minute": 37}
